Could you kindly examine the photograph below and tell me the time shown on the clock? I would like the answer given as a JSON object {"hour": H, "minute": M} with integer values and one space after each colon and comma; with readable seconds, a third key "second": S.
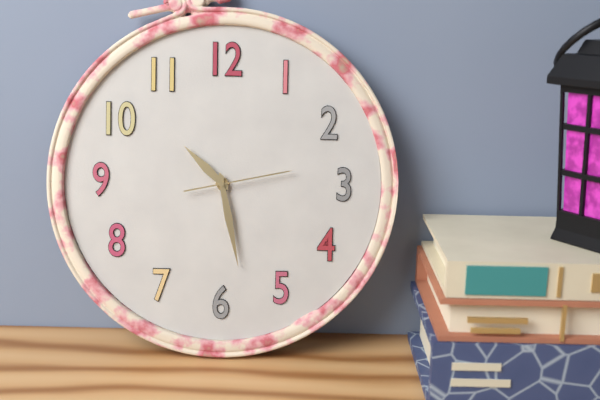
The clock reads {"hour": 10, "minute": 28, "second": 13}
